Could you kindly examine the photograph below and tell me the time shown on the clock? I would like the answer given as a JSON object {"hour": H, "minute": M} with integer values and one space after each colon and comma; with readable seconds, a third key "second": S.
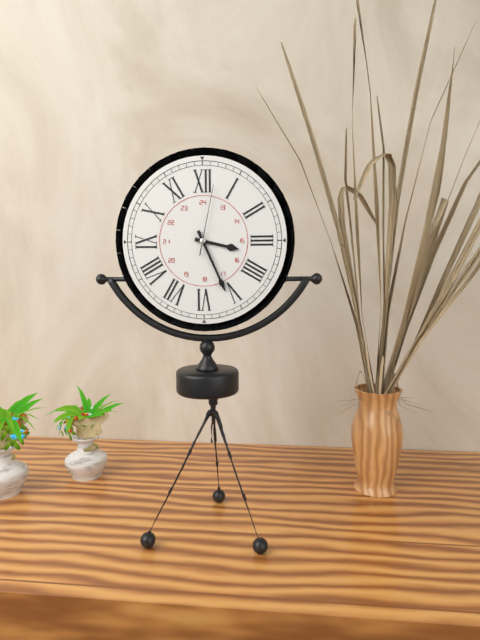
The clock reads {"hour": 3, "minute": 26, "second": 2}
